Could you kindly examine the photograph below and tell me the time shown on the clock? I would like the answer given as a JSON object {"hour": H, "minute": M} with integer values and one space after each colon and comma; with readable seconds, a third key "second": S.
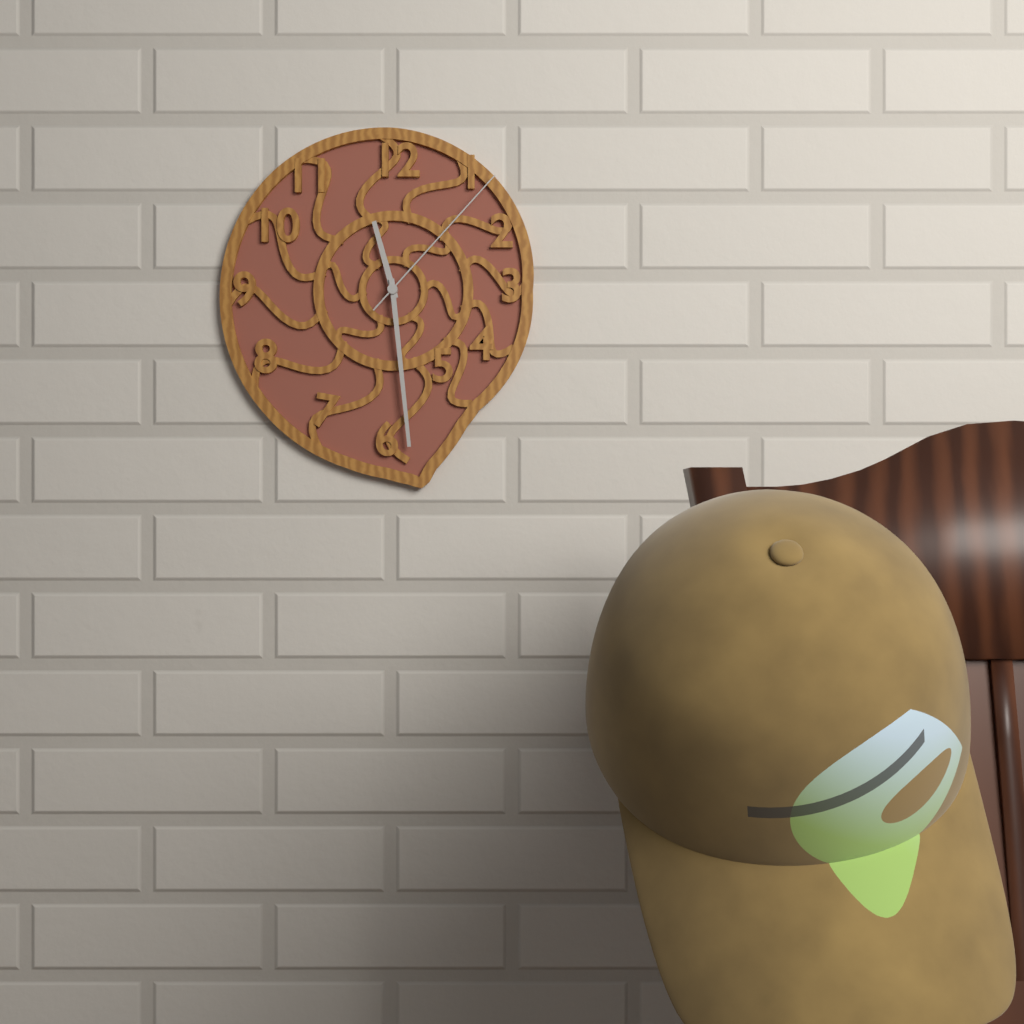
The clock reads {"hour": 11, "minute": 29, "second": 7}
